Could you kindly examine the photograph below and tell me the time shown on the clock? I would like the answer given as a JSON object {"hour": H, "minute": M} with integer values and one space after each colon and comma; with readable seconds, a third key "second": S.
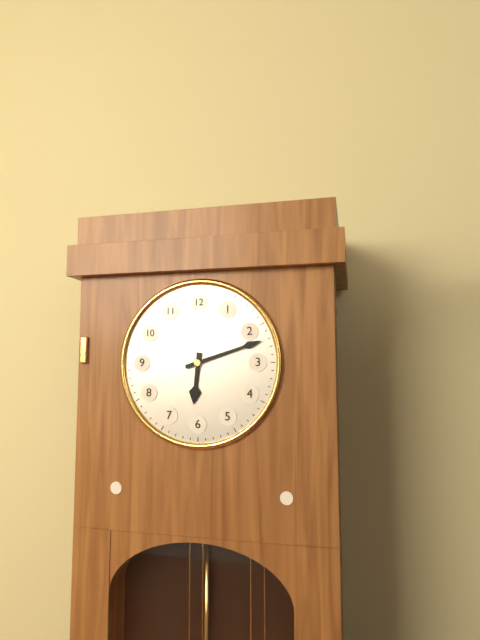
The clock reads {"hour": 6, "minute": 12}
